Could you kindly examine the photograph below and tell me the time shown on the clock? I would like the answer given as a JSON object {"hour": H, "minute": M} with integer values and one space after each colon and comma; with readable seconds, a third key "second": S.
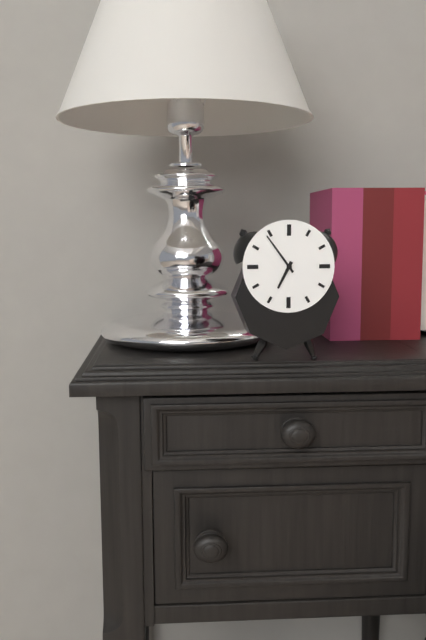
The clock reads {"hour": 6, "minute": 54}
